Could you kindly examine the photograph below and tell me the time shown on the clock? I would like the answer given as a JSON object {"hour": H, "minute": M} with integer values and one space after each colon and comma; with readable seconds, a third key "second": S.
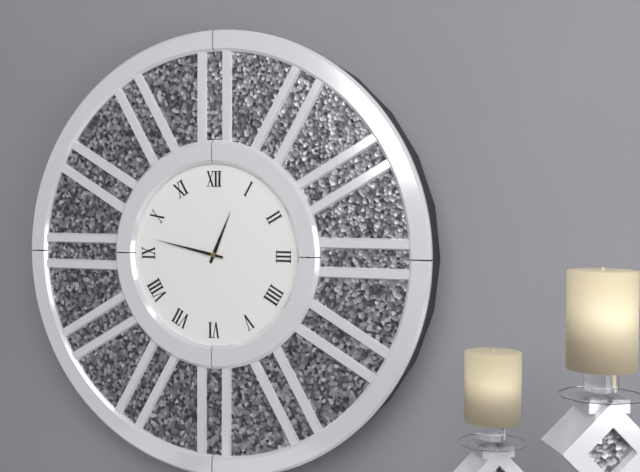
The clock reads {"hour": 12, "minute": 47}
